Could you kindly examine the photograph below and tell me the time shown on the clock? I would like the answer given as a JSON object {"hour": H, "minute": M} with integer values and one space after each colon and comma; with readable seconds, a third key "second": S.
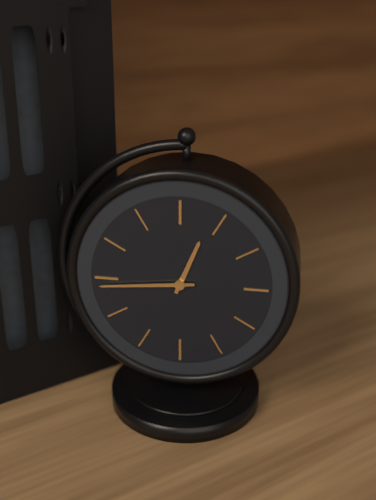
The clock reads {"hour": 12, "minute": 44}
